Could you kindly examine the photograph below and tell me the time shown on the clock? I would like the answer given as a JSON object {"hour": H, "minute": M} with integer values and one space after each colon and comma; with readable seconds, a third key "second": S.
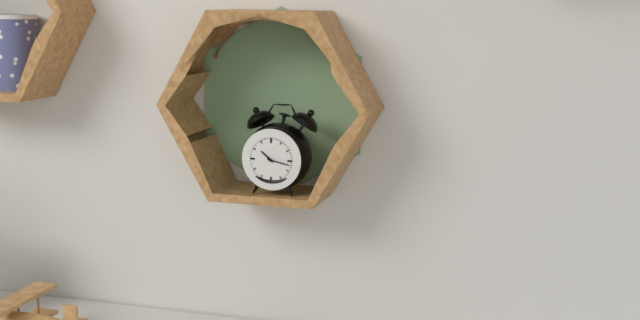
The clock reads {"hour": 10, "minute": 17}
